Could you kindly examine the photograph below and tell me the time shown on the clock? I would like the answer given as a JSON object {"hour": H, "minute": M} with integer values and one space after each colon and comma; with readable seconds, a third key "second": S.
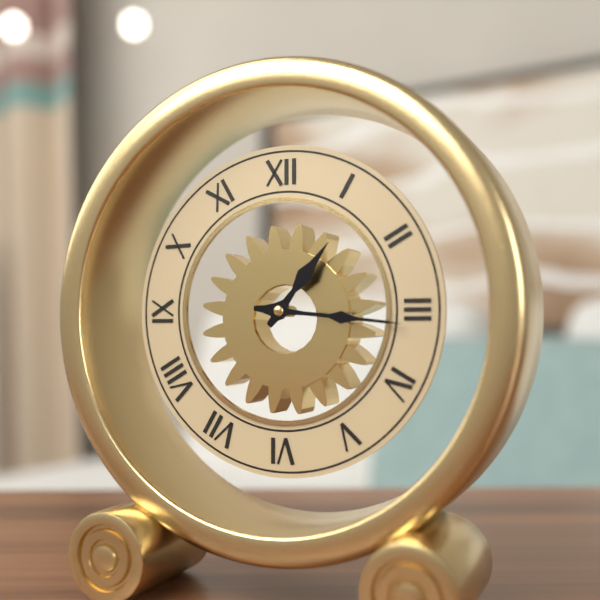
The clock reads {"hour": 1, "minute": 16}
